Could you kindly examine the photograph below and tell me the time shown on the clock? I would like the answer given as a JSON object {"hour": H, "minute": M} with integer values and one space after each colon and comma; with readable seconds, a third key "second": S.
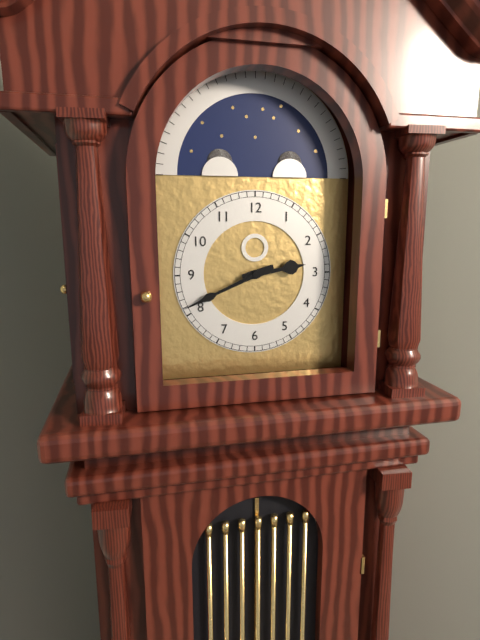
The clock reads {"hour": 2, "minute": 41}
